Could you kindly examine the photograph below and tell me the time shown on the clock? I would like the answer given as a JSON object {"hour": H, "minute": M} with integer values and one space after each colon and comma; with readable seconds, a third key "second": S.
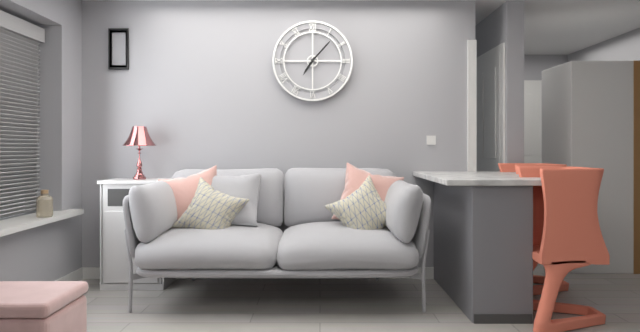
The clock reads {"hour": 7, "minute": 7}
